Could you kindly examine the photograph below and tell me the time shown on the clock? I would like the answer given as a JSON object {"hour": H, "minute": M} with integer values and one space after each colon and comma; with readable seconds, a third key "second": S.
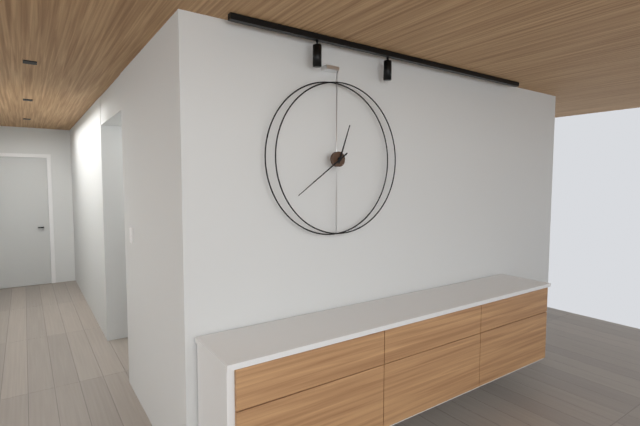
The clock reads {"hour": 12, "minute": 39}
